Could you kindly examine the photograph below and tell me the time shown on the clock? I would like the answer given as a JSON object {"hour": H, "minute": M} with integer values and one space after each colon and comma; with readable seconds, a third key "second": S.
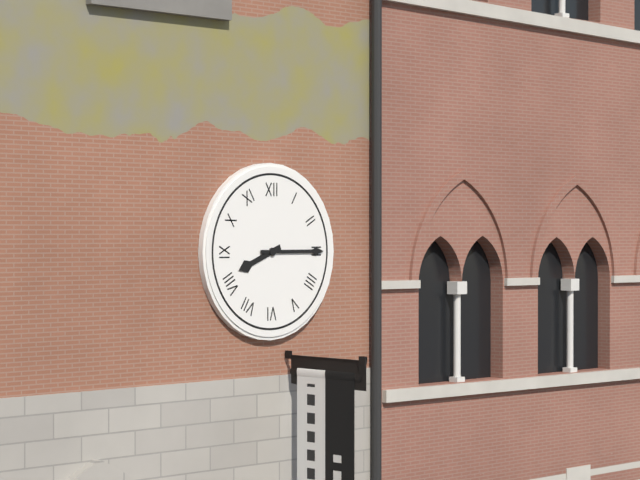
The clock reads {"hour": 8, "minute": 15}
